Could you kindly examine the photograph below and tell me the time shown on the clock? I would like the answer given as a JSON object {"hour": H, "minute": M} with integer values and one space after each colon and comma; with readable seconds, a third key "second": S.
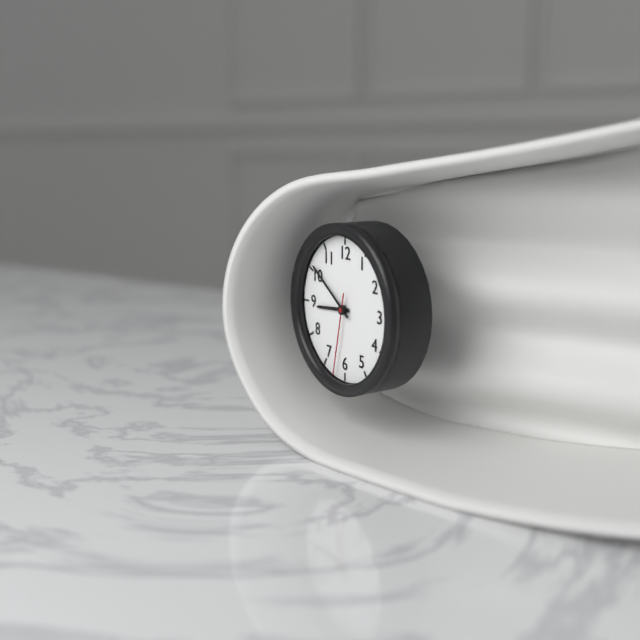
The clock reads {"hour": 8, "minute": 51, "second": 32}
